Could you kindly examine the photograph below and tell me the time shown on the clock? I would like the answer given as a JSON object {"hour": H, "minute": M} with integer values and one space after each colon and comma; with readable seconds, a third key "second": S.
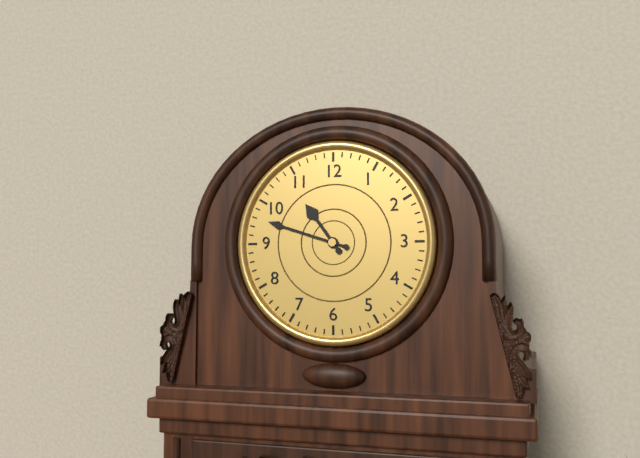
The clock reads {"hour": 10, "minute": 48}
